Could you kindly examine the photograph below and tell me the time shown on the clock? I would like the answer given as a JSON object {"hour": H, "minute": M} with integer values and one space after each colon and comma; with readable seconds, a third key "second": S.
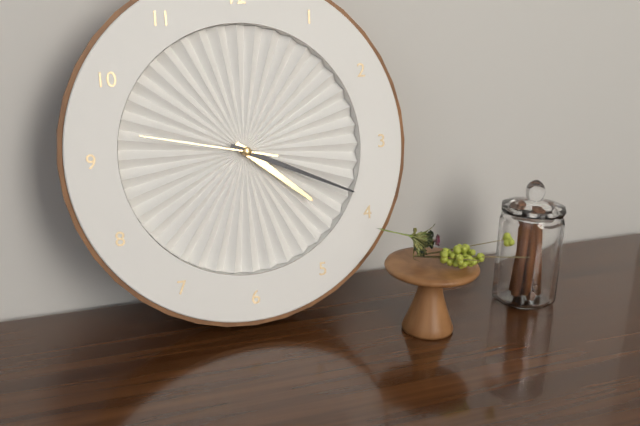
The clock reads {"hour": 4, "minute": 19, "second": 47}
